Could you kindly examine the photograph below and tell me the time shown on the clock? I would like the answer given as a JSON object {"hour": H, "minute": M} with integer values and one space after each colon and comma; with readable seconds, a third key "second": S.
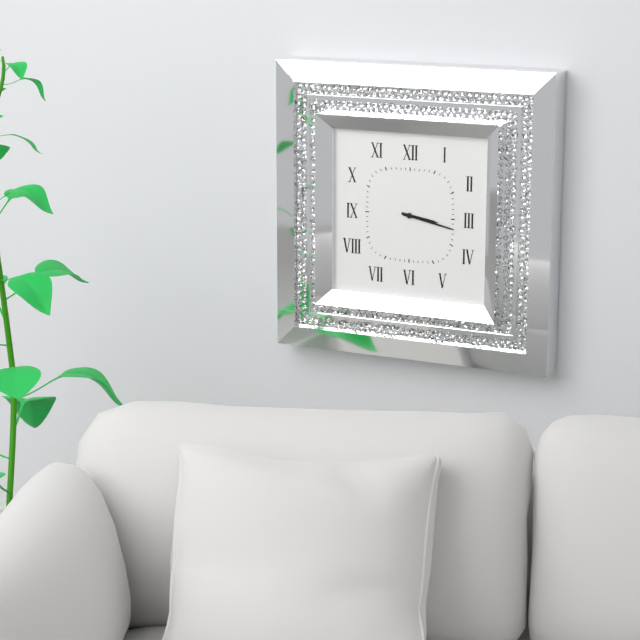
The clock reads {"hour": 3, "minute": 17}
